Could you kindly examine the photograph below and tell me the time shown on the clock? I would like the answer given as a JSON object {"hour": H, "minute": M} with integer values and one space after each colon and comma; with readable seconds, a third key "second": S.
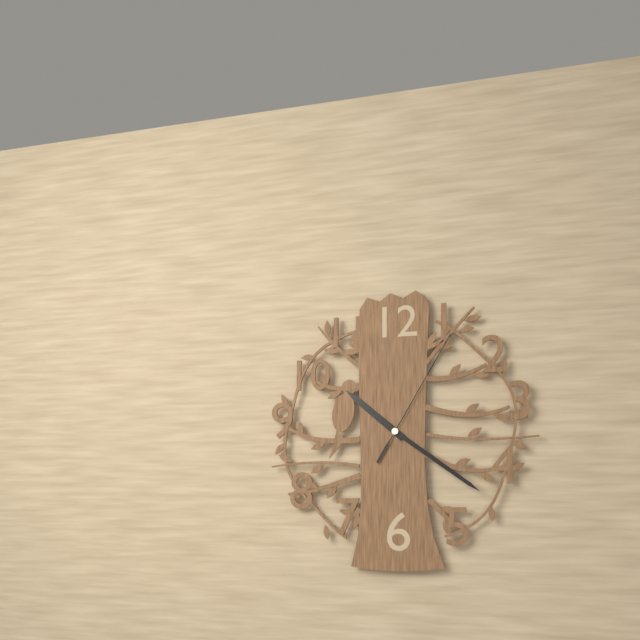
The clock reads {"hour": 10, "minute": 21, "second": 5}
